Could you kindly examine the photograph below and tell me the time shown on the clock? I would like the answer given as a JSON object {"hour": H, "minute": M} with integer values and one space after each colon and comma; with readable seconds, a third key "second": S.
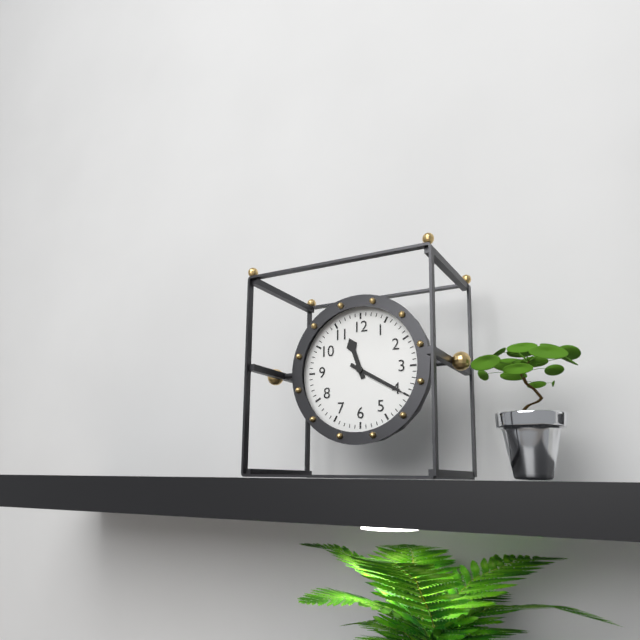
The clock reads {"hour": 11, "minute": 20}
